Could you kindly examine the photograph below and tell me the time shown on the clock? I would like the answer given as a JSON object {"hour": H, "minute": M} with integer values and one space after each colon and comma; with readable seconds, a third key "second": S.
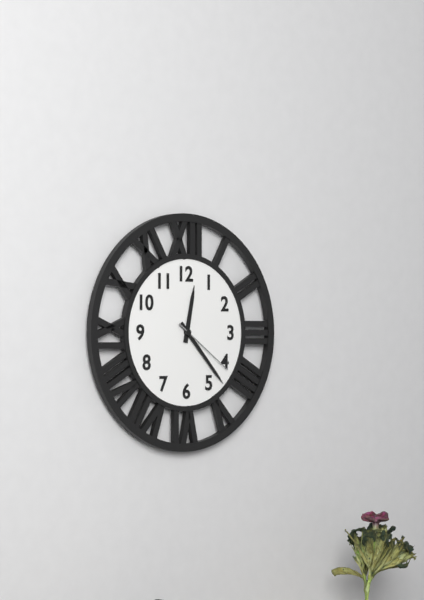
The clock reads {"hour": 12, "minute": 23, "second": 21}
